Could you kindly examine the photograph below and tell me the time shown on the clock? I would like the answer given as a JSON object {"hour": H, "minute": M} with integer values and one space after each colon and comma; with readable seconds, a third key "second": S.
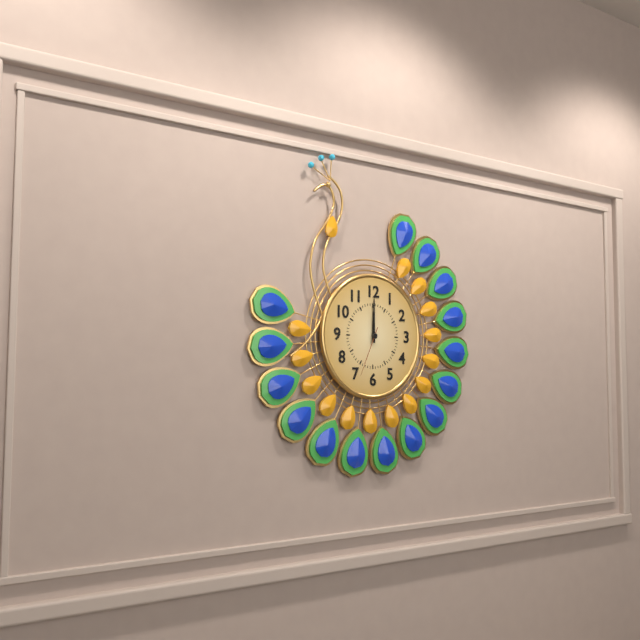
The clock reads {"hour": 12, "minute": 0, "second": 34}
